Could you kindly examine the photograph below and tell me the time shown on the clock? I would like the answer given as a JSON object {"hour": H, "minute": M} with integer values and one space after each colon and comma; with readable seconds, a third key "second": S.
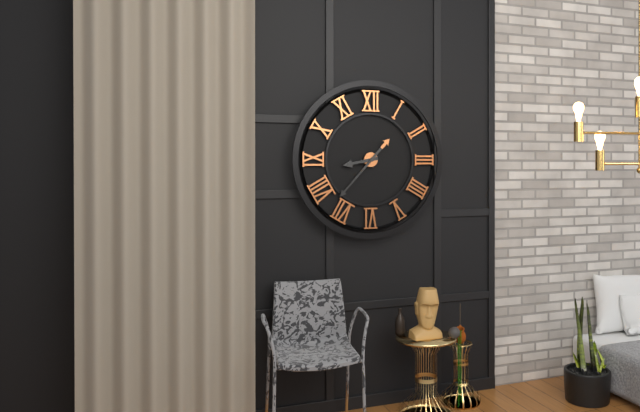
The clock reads {"hour": 8, "minute": 37}
